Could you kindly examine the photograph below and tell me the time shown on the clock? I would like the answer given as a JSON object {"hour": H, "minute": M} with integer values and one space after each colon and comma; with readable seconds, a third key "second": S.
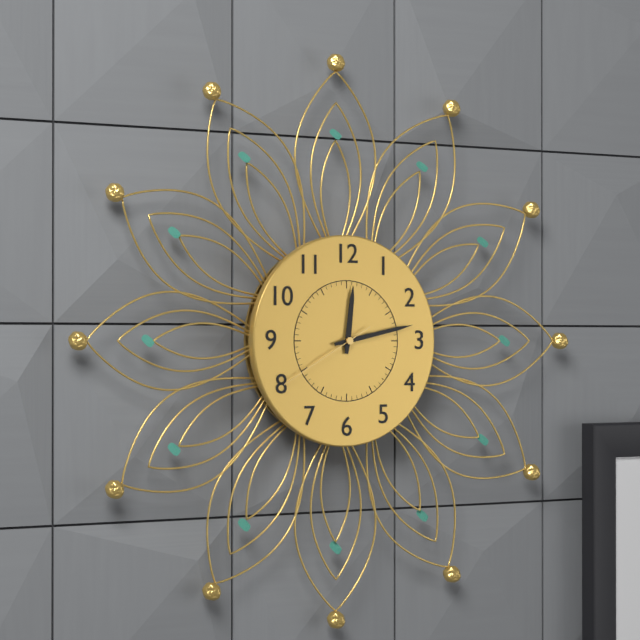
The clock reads {"hour": 12, "minute": 13, "second": 40}
